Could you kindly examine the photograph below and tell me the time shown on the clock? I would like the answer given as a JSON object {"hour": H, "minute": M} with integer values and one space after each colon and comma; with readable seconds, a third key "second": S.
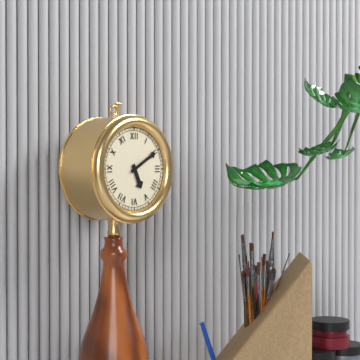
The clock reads {"hour": 5, "minute": 10}
